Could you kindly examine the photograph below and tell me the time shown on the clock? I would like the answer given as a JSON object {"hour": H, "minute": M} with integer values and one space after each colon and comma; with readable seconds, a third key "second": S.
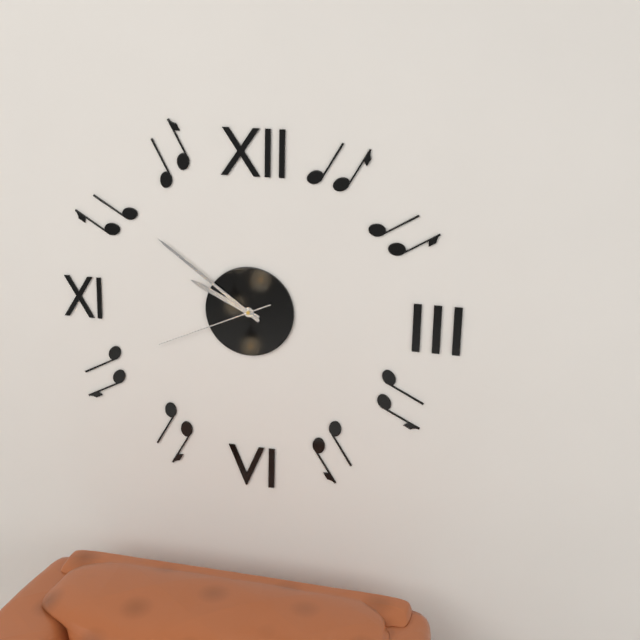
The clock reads {"hour": 9, "minute": 51, "second": 41}
